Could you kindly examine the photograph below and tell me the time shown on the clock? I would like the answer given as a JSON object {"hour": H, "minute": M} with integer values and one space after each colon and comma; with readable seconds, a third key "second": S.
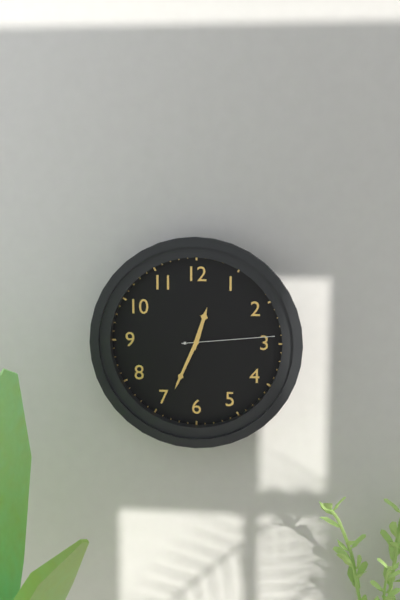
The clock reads {"hour": 12, "minute": 34, "second": 14}
